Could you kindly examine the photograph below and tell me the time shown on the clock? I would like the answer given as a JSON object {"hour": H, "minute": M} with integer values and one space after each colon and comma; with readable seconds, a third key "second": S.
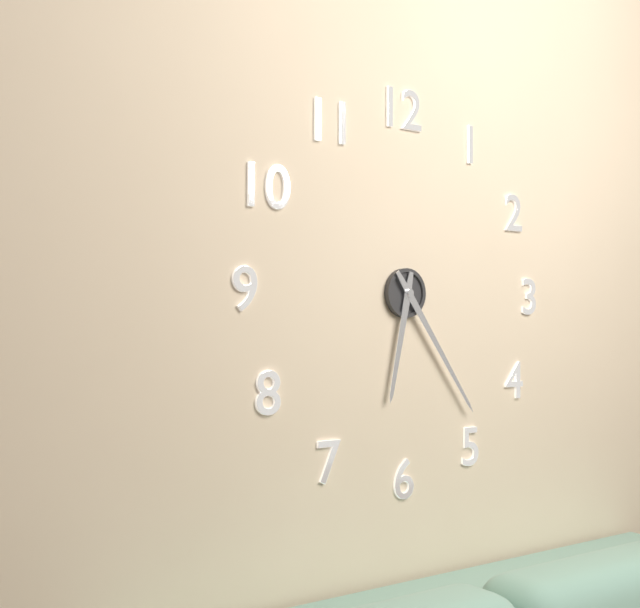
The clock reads {"hour": 6, "minute": 24}
